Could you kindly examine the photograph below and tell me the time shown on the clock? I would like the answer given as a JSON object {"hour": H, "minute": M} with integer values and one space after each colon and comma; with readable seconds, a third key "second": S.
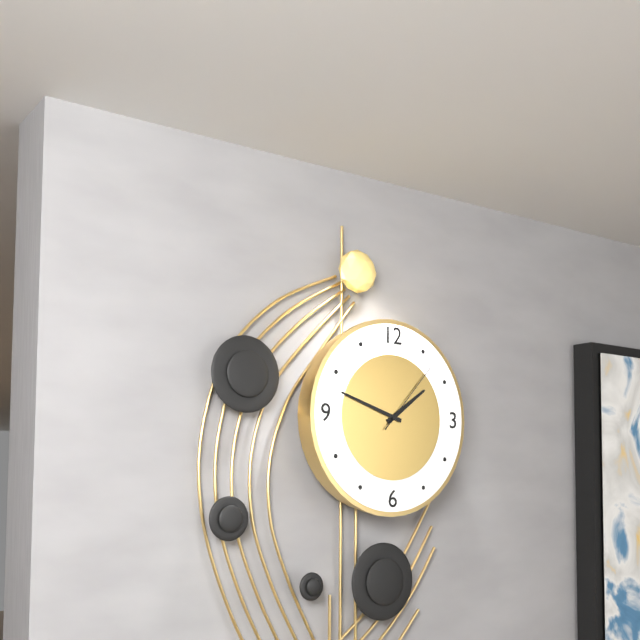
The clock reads {"hour": 1, "minute": 48, "second": 7}
